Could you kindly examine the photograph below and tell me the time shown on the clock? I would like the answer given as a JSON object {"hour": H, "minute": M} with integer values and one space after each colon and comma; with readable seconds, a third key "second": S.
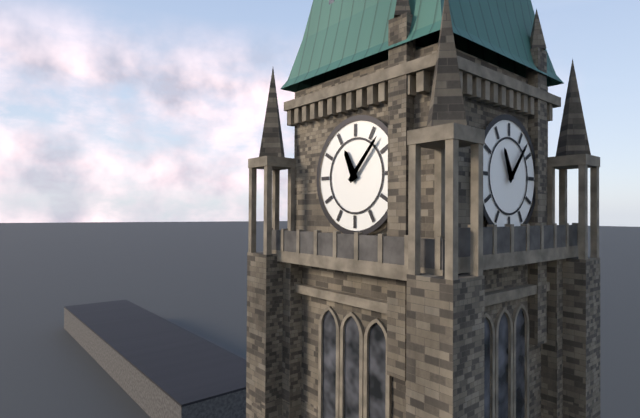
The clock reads {"hour": 11, "minute": 7}
